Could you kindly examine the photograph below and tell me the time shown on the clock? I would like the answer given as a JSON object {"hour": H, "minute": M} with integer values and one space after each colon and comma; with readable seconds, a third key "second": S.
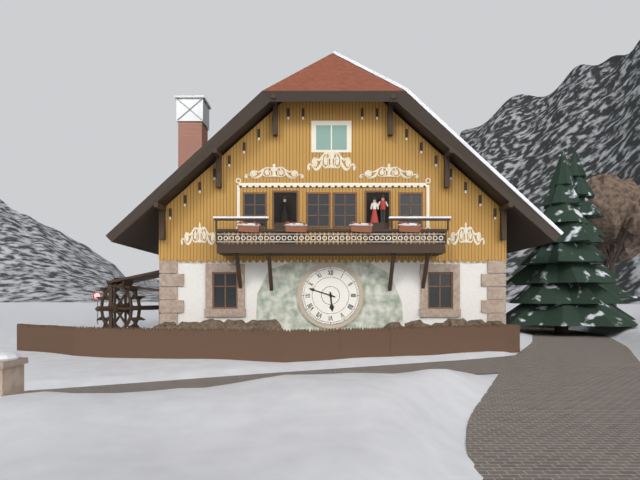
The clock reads {"hour": 5, "minute": 48}
